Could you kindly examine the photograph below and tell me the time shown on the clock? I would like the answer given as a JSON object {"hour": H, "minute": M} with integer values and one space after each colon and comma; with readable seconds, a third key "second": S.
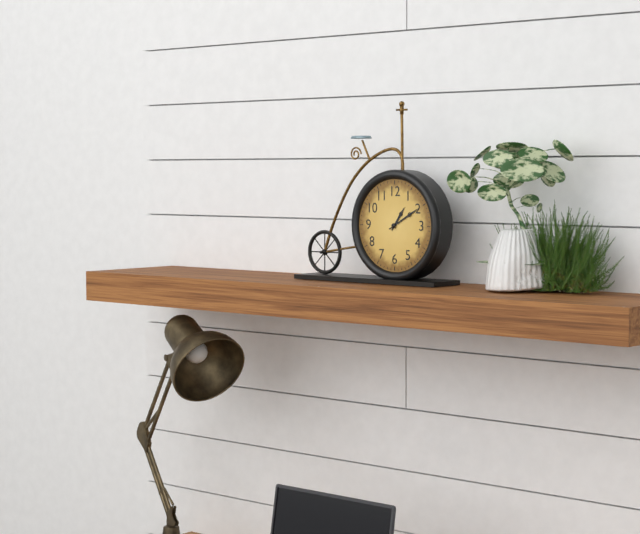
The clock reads {"hour": 1, "minute": 10}
